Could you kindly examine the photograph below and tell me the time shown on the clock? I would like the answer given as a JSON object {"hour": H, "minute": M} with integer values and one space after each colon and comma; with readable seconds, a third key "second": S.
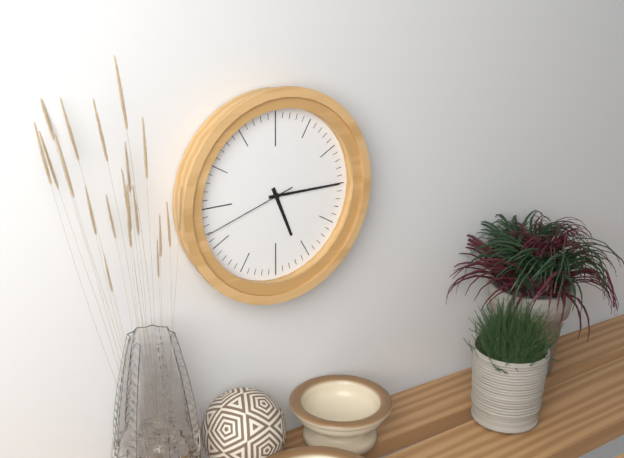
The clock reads {"hour": 5, "minute": 15, "second": 42}
